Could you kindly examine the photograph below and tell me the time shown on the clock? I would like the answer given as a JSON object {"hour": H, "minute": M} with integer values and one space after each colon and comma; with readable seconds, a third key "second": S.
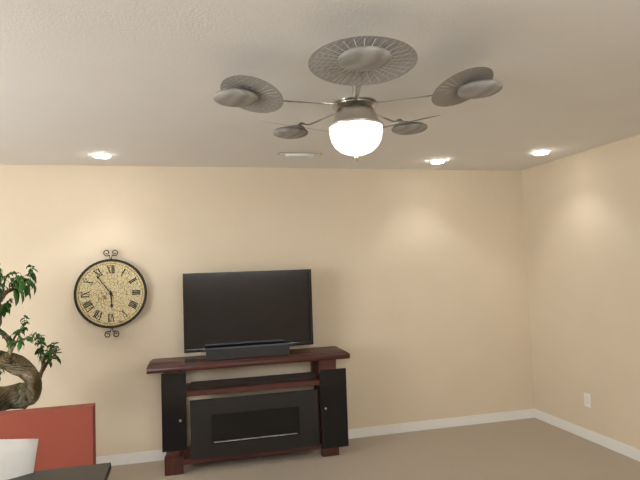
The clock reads {"hour": 5, "minute": 54}
